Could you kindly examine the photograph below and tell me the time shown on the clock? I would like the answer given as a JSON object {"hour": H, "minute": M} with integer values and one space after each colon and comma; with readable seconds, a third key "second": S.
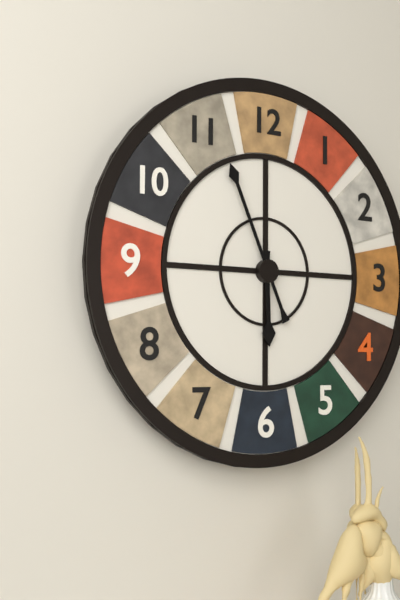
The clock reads {"hour": 5, "minute": 56}
